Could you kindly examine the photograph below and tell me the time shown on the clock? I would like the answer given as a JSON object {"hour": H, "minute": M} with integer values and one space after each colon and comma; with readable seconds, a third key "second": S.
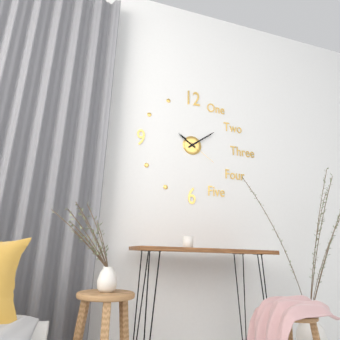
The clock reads {"hour": 10, "minute": 9}
